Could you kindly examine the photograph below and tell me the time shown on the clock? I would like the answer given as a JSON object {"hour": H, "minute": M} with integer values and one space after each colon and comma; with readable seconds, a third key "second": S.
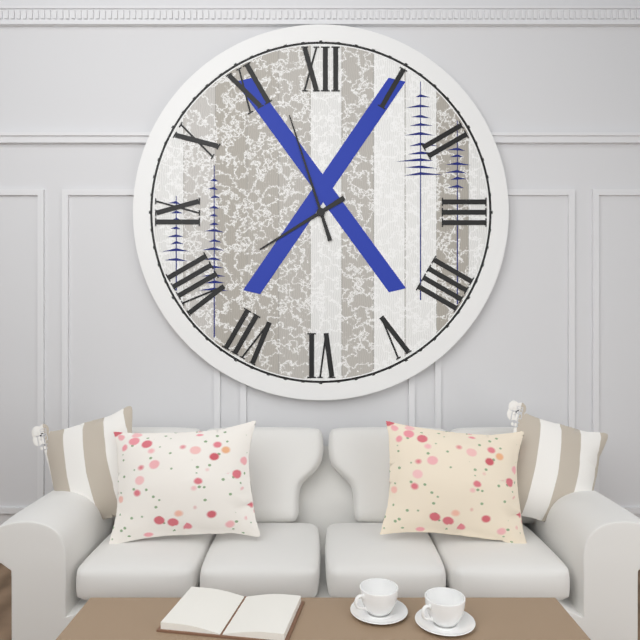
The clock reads {"hour": 7, "minute": 57}
